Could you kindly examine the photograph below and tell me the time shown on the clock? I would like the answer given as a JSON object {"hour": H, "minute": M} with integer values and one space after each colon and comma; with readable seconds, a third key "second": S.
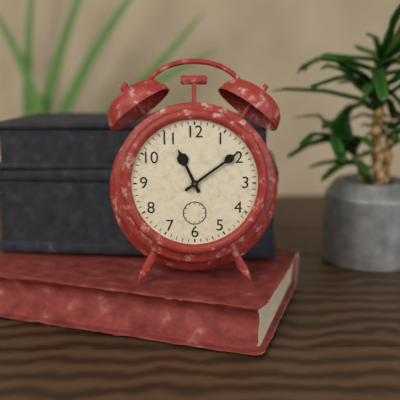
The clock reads {"hour": 11, "minute": 9}
